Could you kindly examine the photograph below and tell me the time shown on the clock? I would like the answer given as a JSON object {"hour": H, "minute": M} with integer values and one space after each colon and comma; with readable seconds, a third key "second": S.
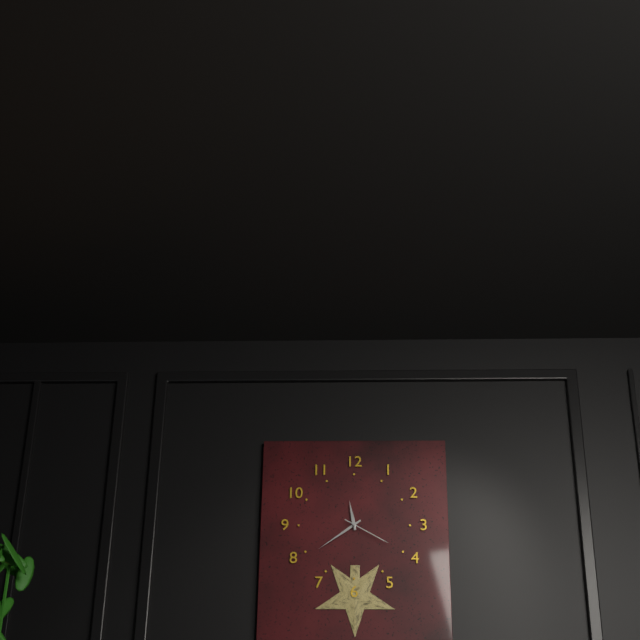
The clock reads {"hour": 11, "minute": 39, "second": 20}
